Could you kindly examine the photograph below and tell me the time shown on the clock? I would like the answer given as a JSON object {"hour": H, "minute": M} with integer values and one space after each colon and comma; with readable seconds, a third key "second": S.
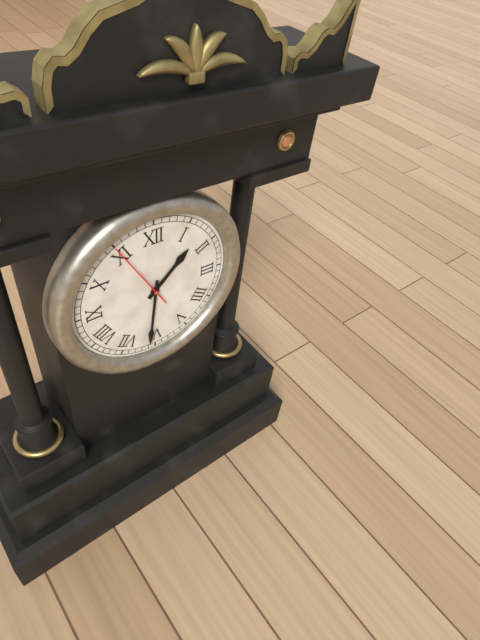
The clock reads {"hour": 1, "minute": 31, "second": 55}
